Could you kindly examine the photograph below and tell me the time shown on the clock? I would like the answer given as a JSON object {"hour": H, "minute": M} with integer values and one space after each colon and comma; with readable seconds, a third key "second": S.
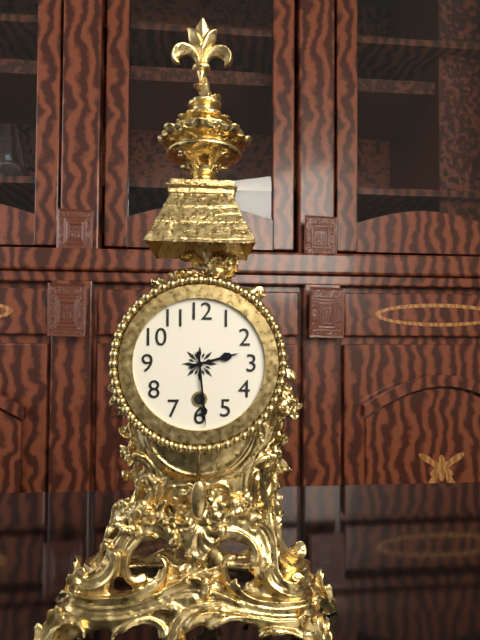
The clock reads {"hour": 2, "minute": 29}
